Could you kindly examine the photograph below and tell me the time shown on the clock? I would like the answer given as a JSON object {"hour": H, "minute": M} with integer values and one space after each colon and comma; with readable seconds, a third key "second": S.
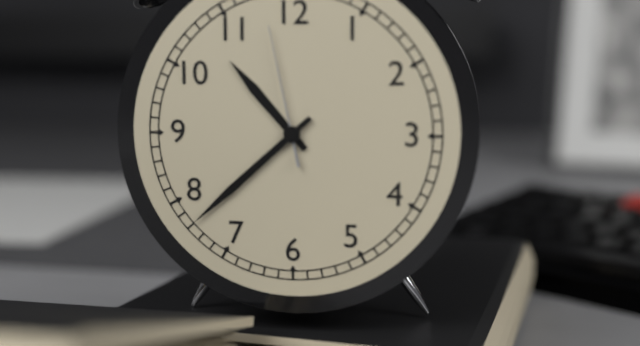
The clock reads {"hour": 10, "minute": 38, "second": 58}
